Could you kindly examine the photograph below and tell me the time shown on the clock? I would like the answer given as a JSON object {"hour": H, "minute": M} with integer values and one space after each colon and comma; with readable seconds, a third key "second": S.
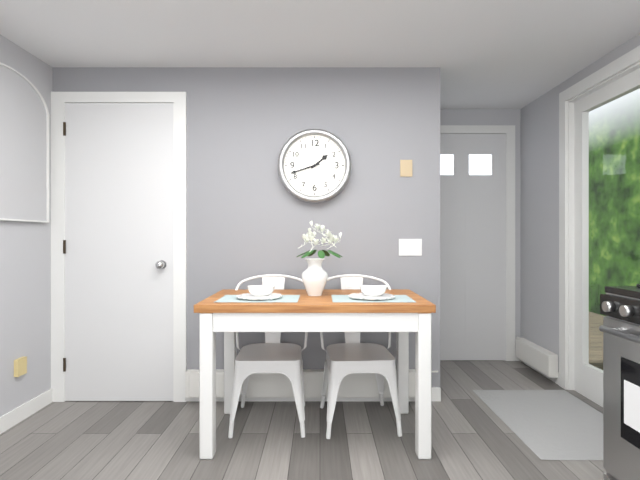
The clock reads {"hour": 1, "minute": 42}
